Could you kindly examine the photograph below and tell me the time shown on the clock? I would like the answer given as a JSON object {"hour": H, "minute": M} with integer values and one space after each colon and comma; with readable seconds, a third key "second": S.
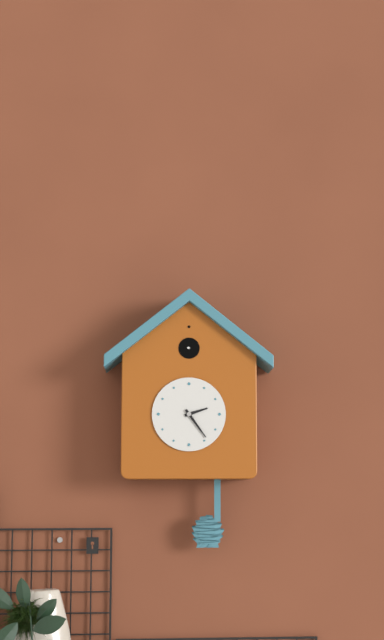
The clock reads {"hour": 2, "minute": 24}
